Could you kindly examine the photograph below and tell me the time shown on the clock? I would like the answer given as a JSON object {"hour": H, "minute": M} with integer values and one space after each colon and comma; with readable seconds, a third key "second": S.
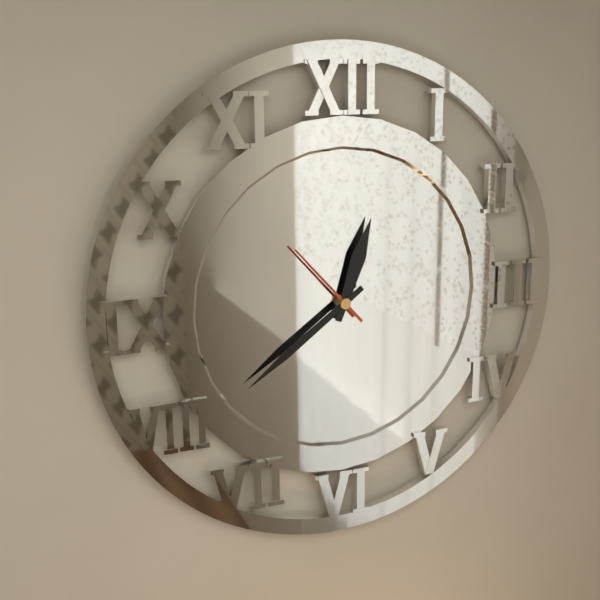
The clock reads {"hour": 12, "minute": 39, "second": 53}
